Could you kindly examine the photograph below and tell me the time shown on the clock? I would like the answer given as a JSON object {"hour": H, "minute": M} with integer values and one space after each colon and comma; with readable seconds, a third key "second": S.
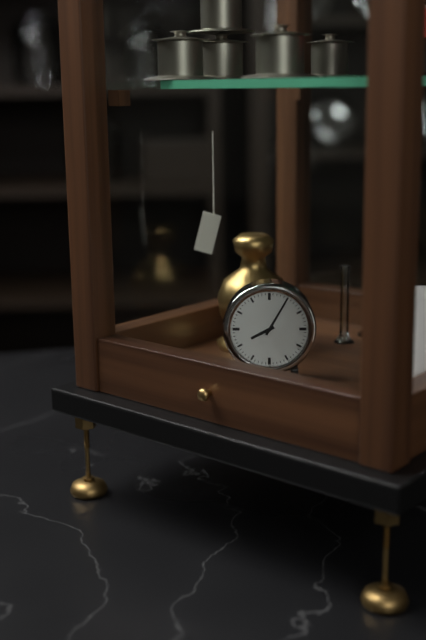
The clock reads {"hour": 8, "minute": 5}
